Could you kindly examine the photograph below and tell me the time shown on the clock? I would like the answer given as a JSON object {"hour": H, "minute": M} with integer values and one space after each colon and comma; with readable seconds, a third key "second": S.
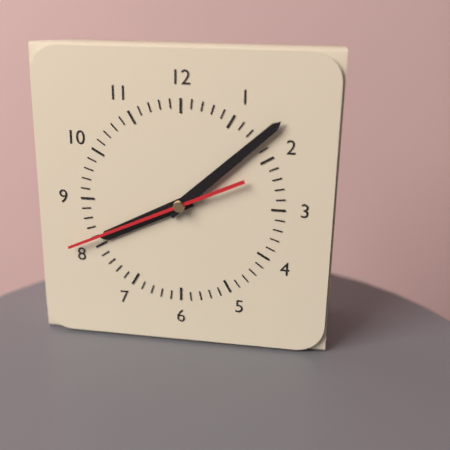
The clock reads {"hour": 8, "minute": 8, "second": 41}
